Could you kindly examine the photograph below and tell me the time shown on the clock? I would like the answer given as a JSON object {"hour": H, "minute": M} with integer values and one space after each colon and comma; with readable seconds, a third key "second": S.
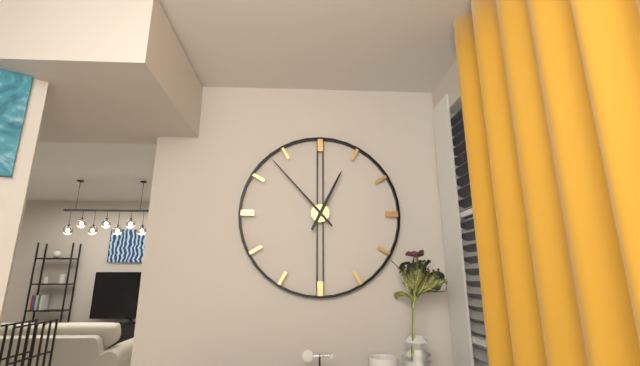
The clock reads {"hour": 12, "minute": 53}
